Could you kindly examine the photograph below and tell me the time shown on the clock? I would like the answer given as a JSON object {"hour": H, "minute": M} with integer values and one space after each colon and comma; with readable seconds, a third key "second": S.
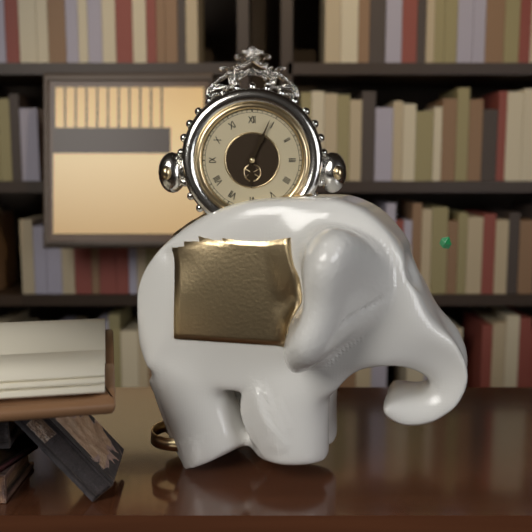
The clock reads {"hour": 6, "minute": 4}
